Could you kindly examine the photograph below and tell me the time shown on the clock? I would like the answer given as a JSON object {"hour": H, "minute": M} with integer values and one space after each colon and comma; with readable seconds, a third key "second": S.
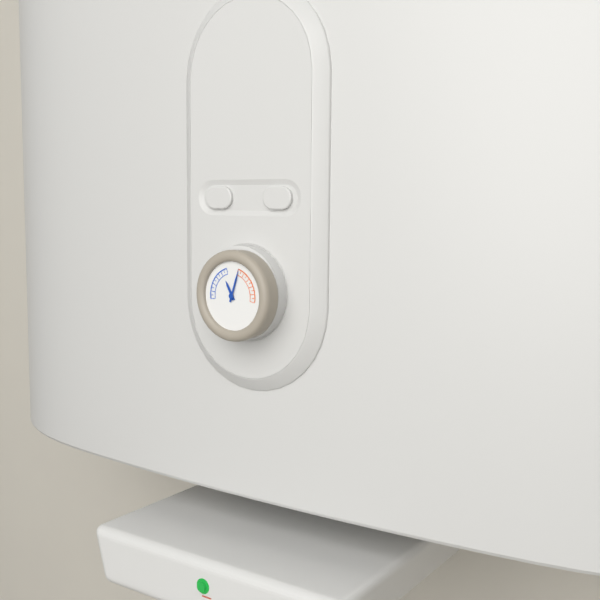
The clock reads {"hour": 11, "minute": 3}
